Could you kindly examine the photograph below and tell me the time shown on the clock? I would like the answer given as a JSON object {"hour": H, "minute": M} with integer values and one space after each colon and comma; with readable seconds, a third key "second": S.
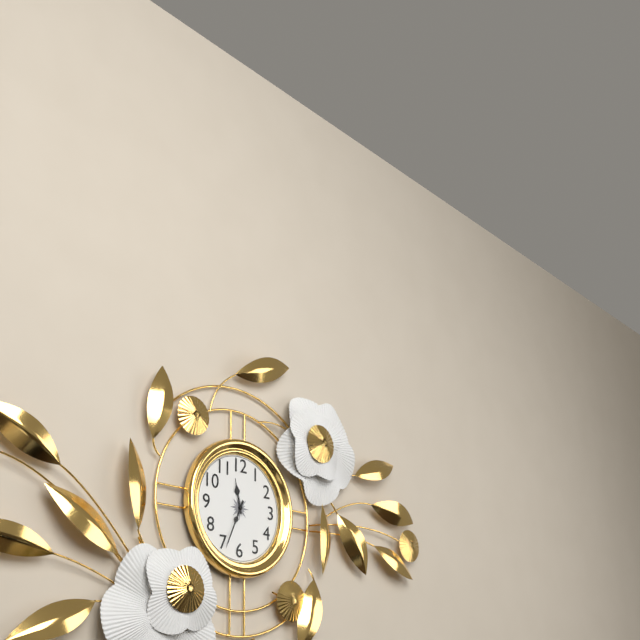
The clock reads {"hour": 11, "minute": 34}
